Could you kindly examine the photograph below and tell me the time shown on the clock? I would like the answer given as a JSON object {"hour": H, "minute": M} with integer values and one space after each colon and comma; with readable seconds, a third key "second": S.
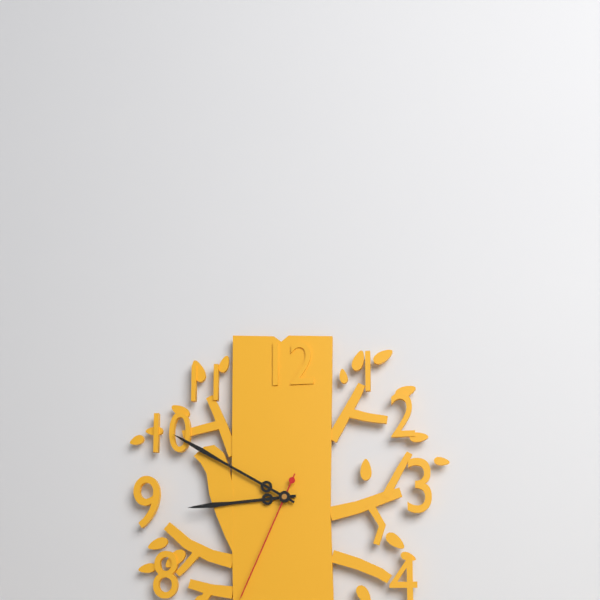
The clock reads {"hour": 8, "minute": 50}
